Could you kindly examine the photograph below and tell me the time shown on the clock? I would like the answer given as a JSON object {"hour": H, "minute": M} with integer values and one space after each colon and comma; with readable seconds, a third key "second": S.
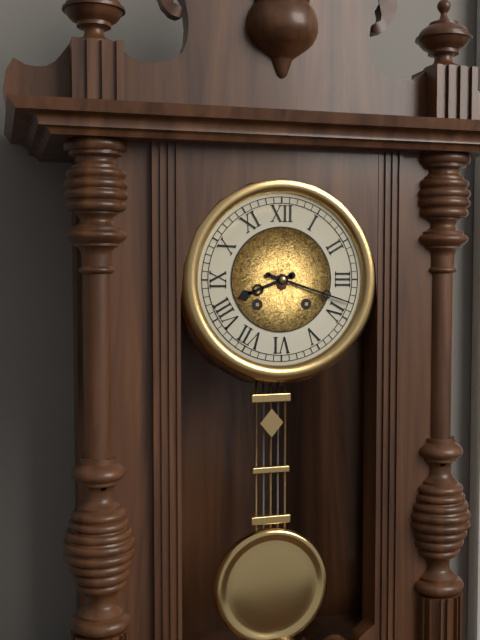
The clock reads {"hour": 8, "minute": 18}
